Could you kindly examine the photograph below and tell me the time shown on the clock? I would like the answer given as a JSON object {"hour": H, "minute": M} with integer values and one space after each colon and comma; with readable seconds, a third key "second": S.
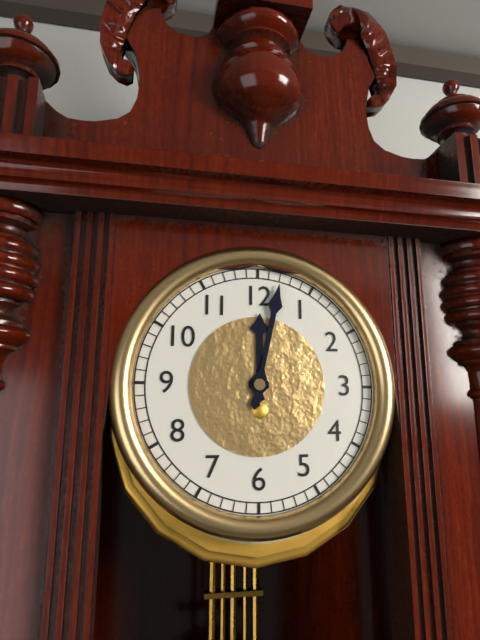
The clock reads {"hour": 12, "minute": 2}
